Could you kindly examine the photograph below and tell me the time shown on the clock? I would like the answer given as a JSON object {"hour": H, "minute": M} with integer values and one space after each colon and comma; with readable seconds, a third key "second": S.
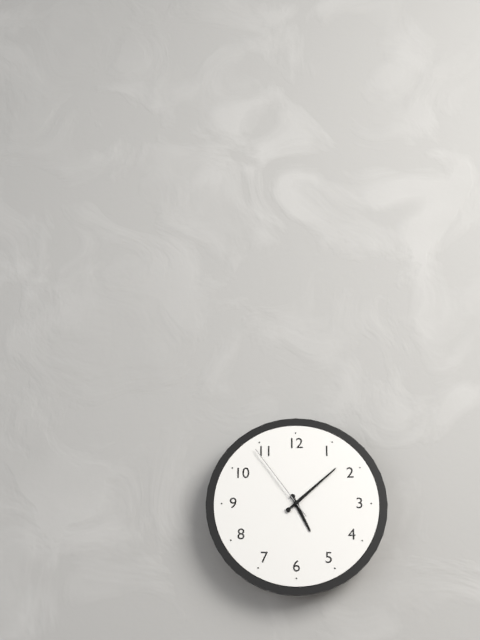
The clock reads {"hour": 5, "minute": 8, "second": 54}
